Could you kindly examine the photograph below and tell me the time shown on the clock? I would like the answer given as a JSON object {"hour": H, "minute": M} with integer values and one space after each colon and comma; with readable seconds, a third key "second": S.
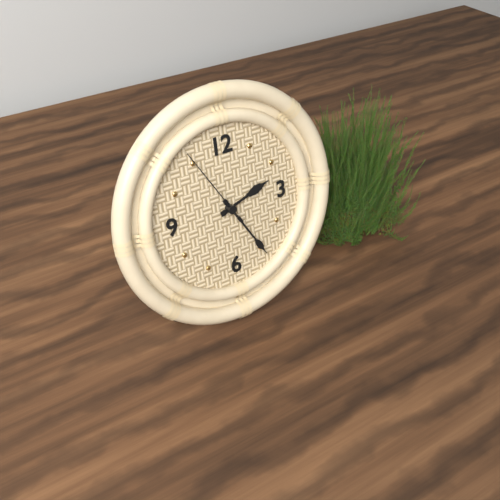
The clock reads {"hour": 2, "minute": 25, "second": 55}
